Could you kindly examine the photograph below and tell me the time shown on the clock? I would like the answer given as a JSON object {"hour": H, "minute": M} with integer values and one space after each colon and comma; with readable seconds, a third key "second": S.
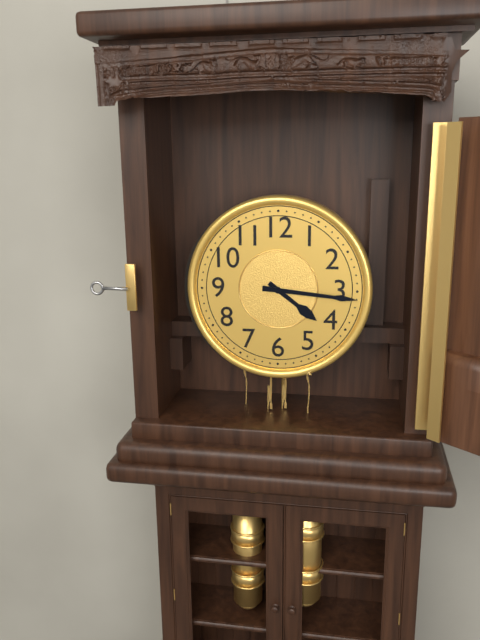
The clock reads {"hour": 4, "minute": 16}
